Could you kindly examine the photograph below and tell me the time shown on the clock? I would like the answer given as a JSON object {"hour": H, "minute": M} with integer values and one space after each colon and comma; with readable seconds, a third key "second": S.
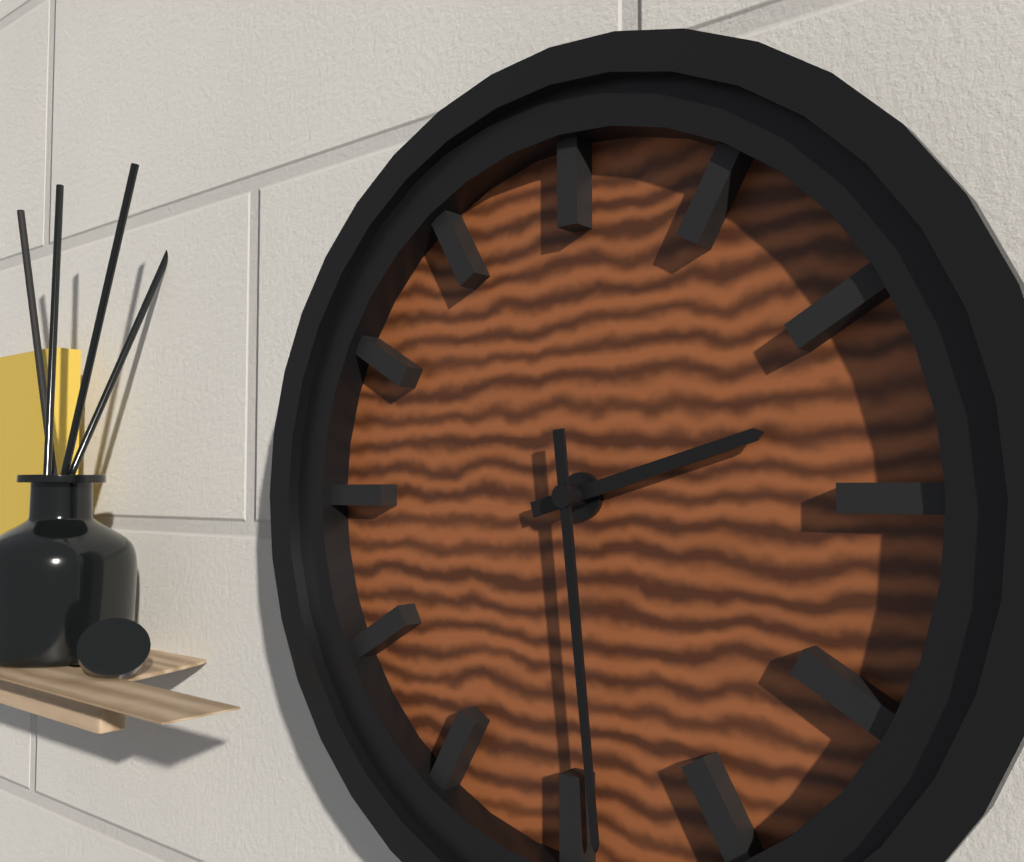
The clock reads {"hour": 2, "minute": 29}
